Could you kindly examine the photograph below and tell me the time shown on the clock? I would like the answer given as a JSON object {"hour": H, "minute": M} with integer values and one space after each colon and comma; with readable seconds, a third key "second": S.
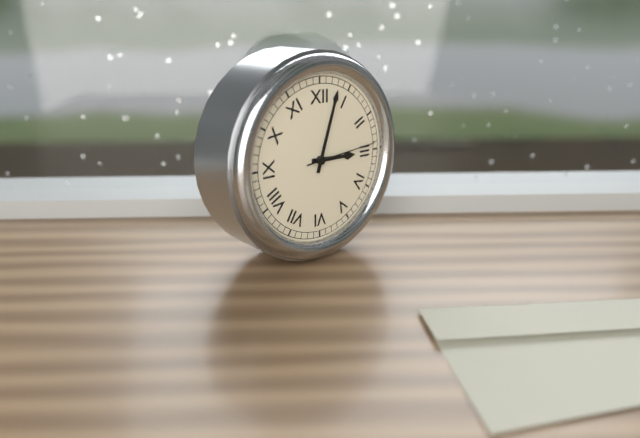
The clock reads {"hour": 3, "minute": 3, "second": 14}
